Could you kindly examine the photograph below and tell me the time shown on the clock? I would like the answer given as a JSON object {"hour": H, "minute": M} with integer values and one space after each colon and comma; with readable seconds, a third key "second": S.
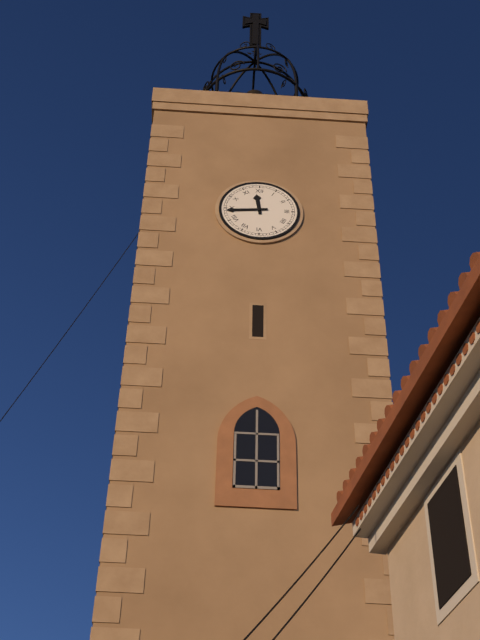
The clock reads {"hour": 11, "minute": 44}
